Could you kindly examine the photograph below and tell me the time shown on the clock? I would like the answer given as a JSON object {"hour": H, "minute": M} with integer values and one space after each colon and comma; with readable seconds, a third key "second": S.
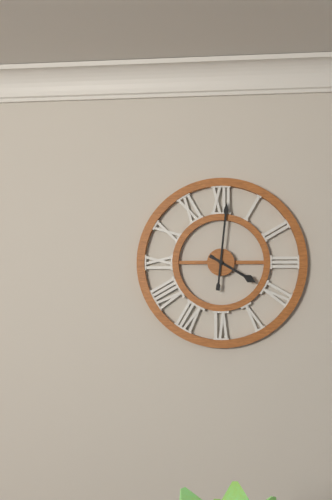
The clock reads {"hour": 4, "minute": 1}
